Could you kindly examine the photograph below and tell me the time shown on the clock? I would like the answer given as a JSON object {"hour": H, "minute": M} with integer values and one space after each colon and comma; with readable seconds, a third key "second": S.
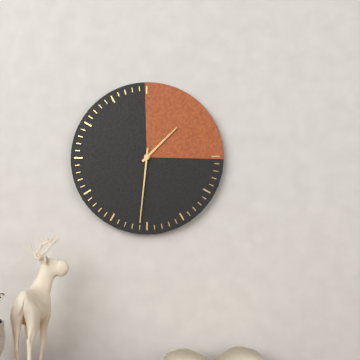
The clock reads {"hour": 1, "minute": 31}
